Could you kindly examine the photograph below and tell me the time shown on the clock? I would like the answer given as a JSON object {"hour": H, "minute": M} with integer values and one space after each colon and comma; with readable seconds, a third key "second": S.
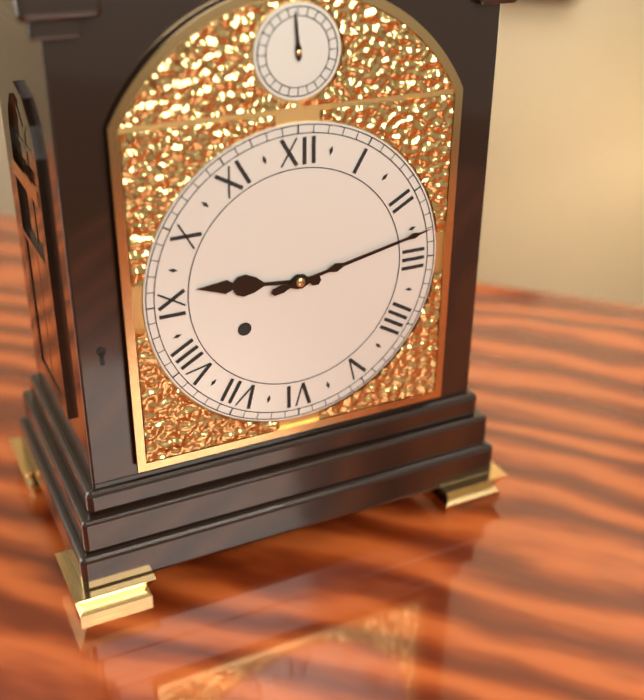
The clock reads {"hour": 9, "minute": 13}
